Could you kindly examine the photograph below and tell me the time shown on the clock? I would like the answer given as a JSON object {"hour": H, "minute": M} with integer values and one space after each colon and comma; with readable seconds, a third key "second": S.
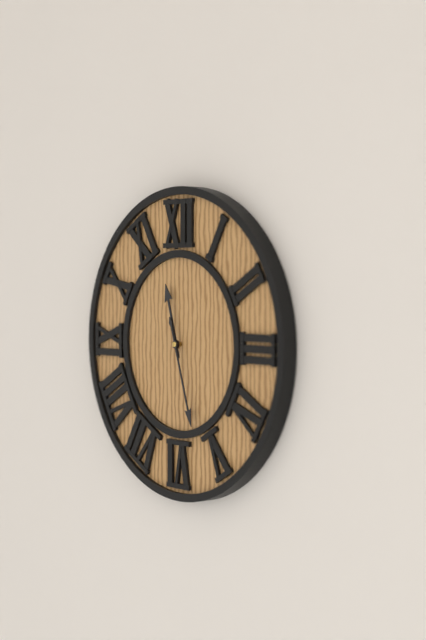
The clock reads {"hour": 11, "minute": 27}
